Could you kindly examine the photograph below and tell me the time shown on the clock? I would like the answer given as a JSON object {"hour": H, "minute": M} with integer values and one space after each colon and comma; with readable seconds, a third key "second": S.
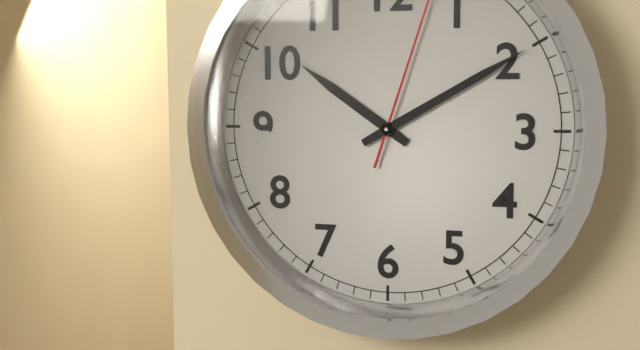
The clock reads {"hour": 10, "minute": 10}
